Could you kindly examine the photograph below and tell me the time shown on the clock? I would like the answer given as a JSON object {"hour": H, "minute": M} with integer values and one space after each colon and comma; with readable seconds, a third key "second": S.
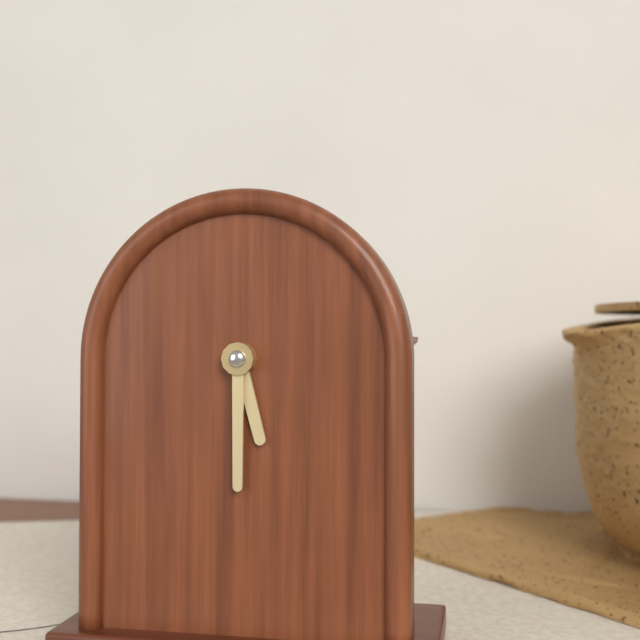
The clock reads {"hour": 5, "minute": 30}
